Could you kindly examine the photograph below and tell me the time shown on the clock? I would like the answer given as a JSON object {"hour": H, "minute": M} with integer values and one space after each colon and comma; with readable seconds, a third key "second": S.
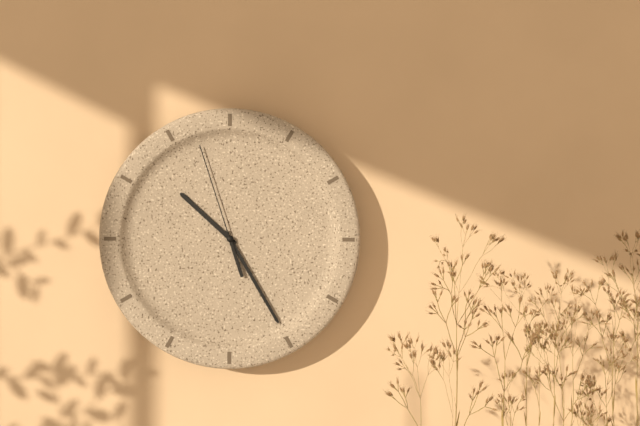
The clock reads {"hour": 10, "minute": 25, "second": 57}
